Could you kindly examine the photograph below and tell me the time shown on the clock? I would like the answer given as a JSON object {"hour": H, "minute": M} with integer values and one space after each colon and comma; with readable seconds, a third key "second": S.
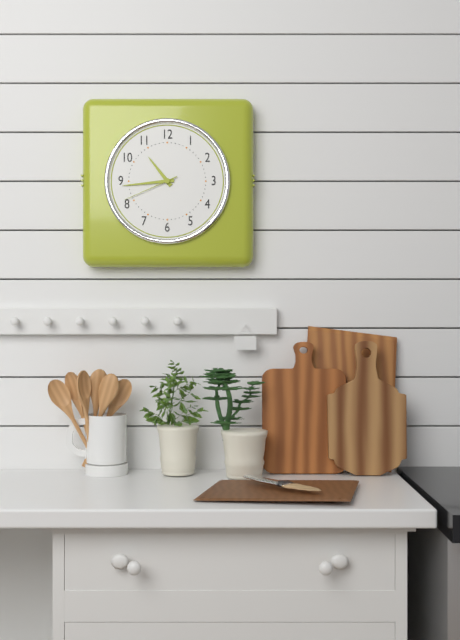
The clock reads {"hour": 10, "minute": 44, "second": 41}
